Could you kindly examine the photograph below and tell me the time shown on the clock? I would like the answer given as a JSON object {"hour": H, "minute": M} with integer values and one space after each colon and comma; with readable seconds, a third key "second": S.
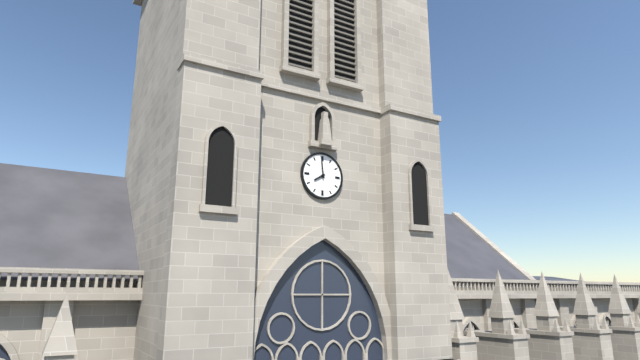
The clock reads {"hour": 7, "minute": 59}
